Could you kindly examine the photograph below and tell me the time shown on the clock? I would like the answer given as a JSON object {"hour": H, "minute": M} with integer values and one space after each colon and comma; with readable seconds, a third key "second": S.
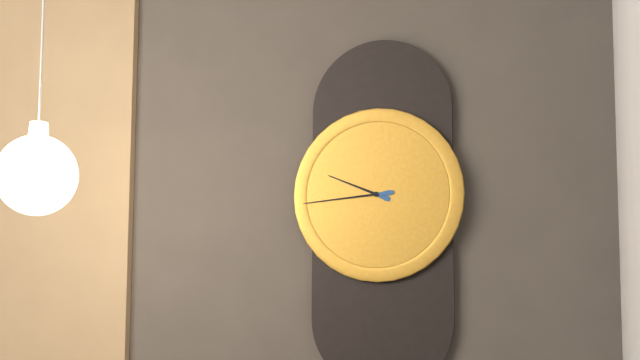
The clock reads {"hour": 9, "minute": 44}
